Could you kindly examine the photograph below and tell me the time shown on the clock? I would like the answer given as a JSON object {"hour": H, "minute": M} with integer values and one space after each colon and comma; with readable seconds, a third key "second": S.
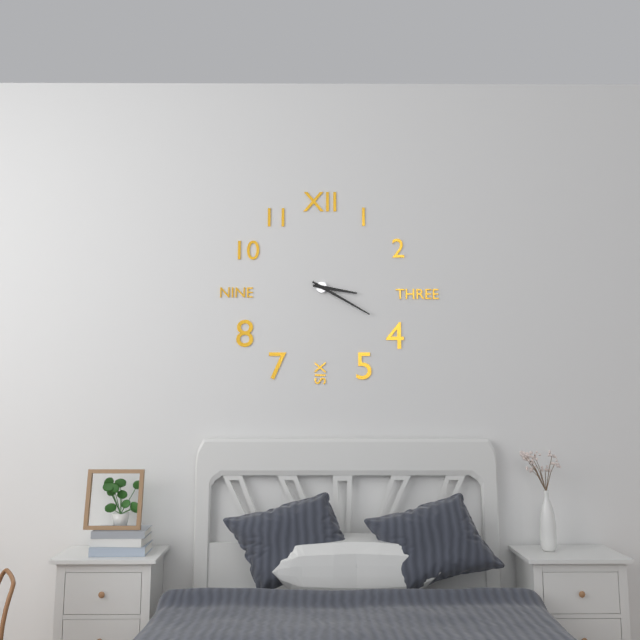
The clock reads {"hour": 3, "minute": 20}
